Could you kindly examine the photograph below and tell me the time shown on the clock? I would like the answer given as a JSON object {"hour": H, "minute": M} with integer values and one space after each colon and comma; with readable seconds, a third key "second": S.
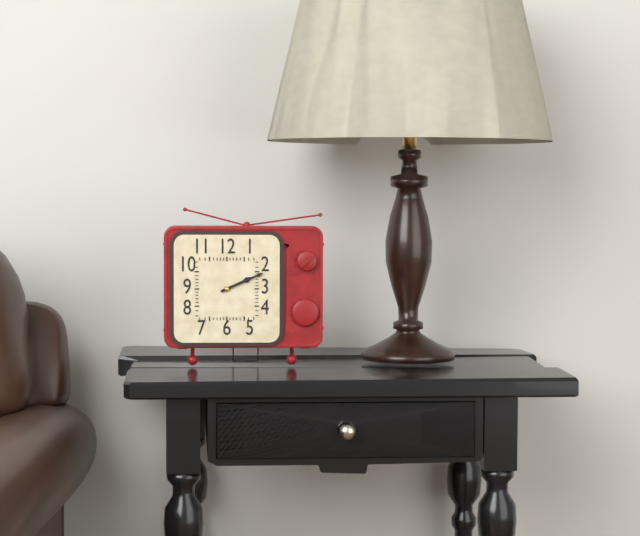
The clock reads {"hour": 2, "minute": 11}
